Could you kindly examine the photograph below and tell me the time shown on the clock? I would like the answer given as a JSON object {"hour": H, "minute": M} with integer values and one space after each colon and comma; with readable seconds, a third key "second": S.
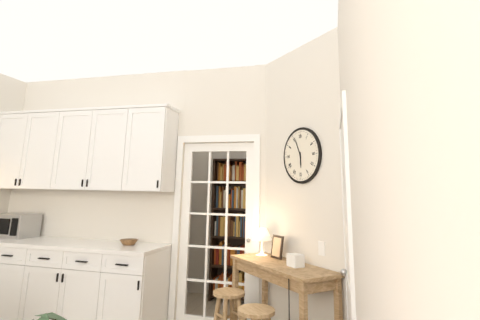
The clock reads {"hour": 5, "minute": 56}
